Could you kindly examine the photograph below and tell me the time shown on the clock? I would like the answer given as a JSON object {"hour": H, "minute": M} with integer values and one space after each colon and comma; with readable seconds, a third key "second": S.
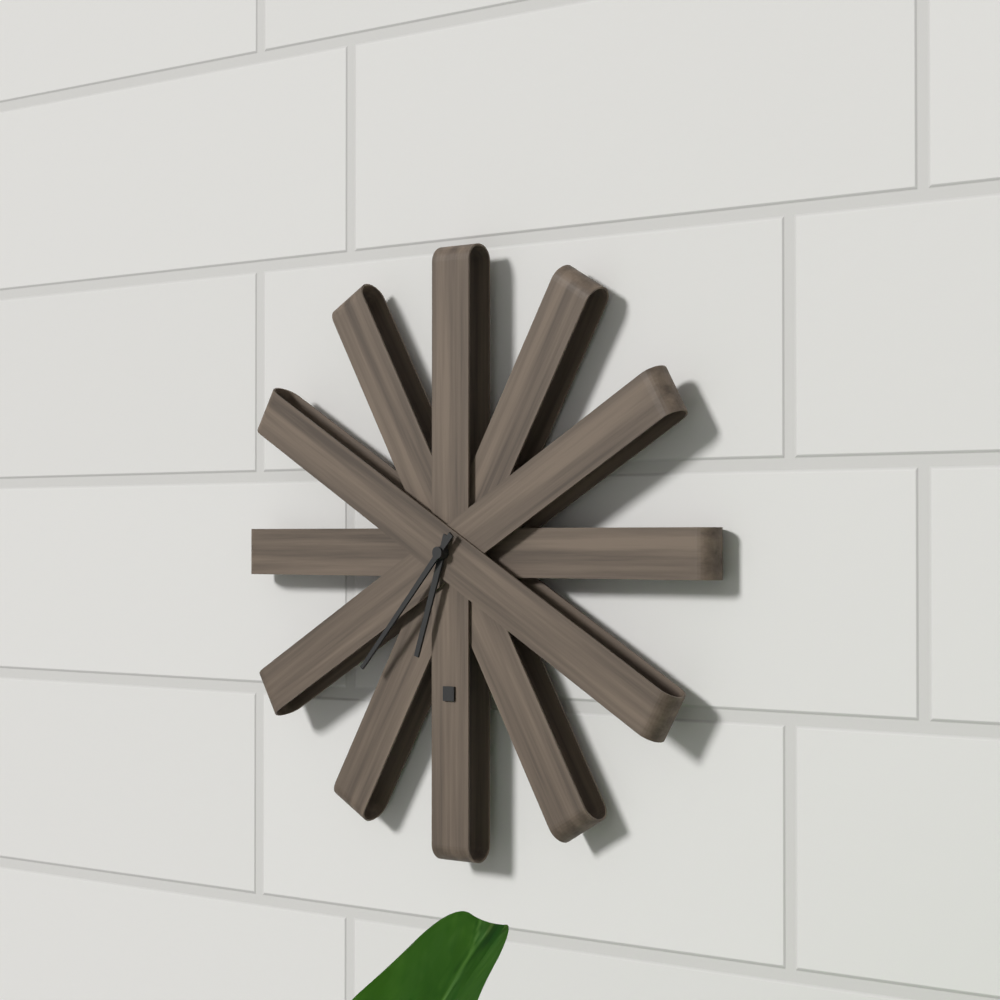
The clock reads {"hour": 6, "minute": 37}
